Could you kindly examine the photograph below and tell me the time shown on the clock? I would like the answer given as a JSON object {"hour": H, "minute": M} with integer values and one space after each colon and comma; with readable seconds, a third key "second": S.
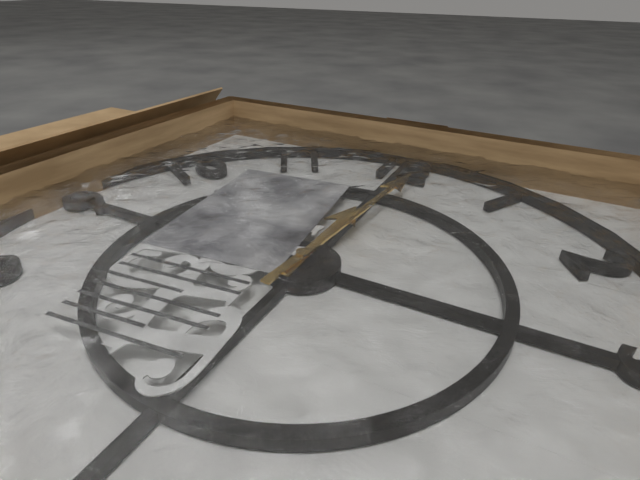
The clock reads {"hour": 12, "minute": 1}
